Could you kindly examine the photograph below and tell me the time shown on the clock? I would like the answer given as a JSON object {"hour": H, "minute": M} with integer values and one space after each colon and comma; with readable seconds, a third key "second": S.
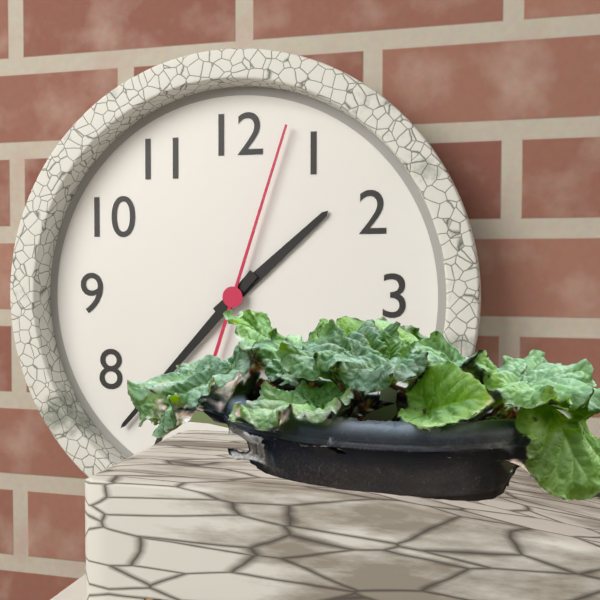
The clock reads {"hour": 1, "minute": 37, "second": 3}
